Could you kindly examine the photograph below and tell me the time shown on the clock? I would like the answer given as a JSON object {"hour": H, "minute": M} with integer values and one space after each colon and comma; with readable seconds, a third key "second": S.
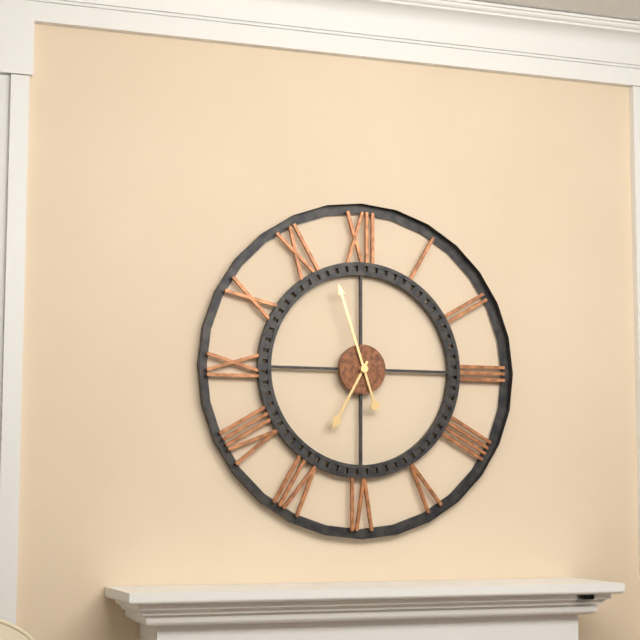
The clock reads {"hour": 6, "minute": 57}
